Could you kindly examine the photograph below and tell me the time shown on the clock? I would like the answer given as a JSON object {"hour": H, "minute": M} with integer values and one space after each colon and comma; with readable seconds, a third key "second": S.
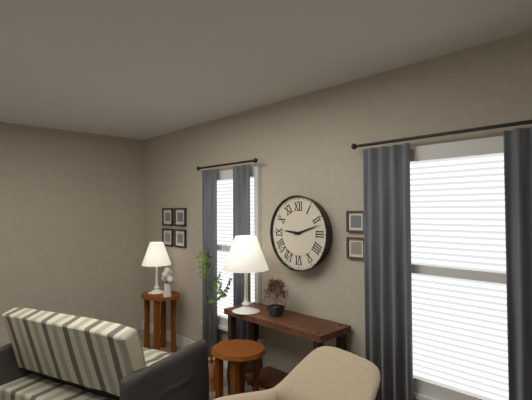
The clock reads {"hour": 9, "minute": 12}
